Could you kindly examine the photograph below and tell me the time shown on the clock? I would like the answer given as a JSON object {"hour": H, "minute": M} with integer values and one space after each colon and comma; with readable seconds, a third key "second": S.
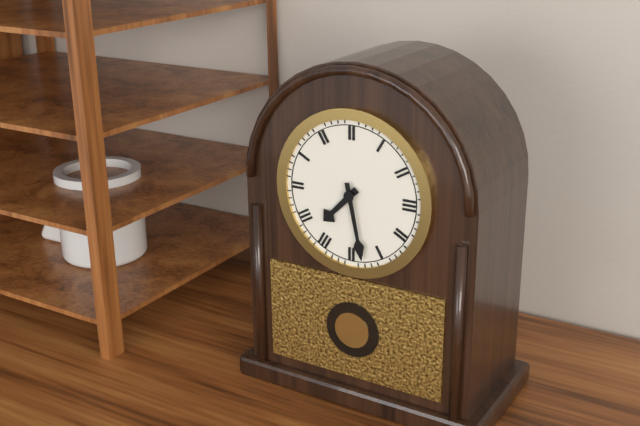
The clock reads {"hour": 7, "minute": 28}
